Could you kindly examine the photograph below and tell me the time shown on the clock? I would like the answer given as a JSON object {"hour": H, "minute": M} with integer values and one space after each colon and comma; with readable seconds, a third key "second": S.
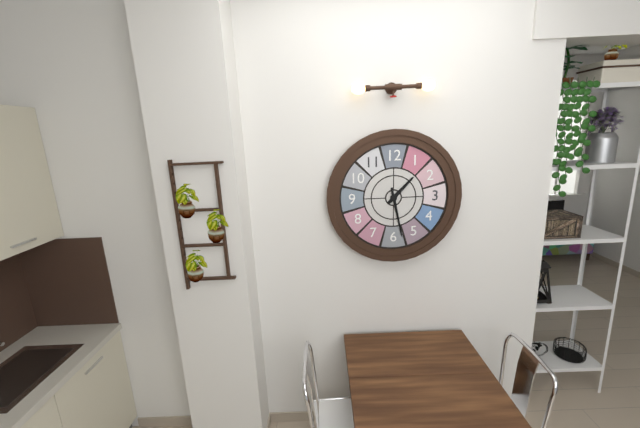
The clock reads {"hour": 1, "minute": 28}
